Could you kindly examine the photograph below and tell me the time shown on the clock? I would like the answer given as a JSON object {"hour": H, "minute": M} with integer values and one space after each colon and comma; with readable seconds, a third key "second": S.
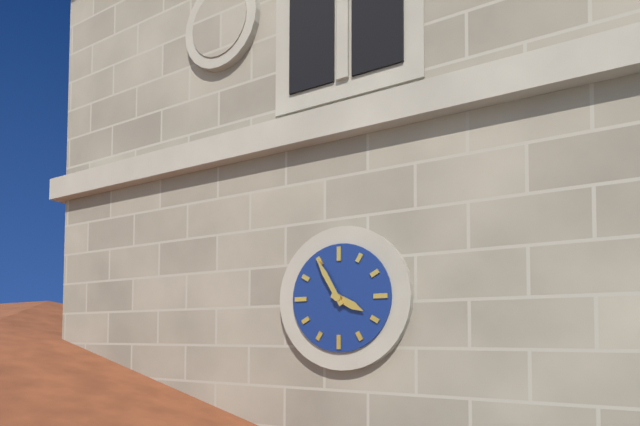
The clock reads {"hour": 3, "minute": 55}
